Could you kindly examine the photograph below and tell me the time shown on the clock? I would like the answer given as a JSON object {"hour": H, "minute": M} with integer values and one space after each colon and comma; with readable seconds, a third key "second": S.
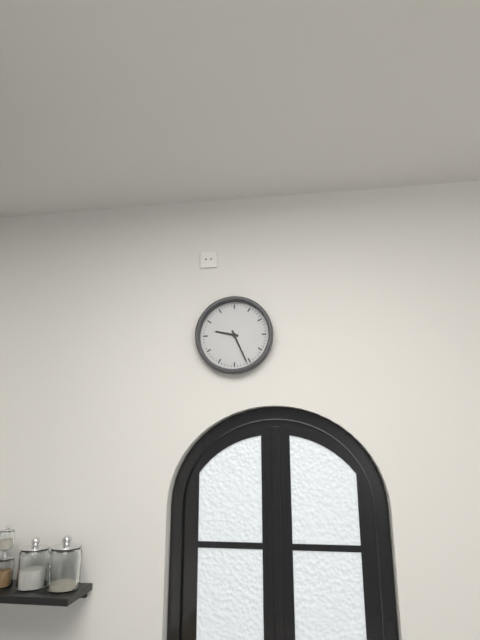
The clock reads {"hour": 9, "minute": 26}
